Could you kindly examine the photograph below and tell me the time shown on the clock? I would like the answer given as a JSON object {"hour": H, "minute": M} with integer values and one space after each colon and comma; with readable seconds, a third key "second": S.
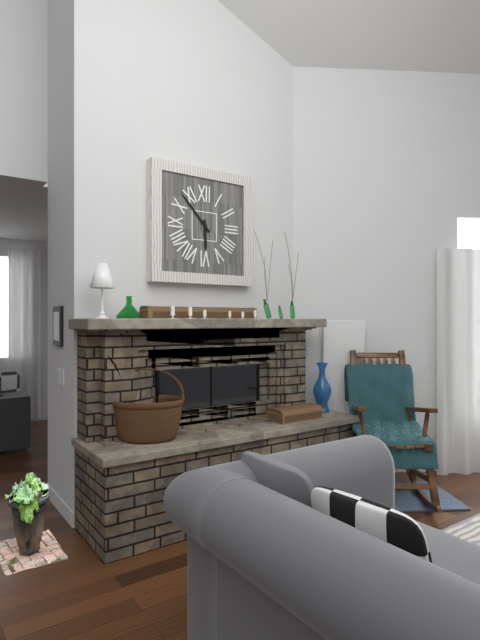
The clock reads {"hour": 5, "minute": 53}
